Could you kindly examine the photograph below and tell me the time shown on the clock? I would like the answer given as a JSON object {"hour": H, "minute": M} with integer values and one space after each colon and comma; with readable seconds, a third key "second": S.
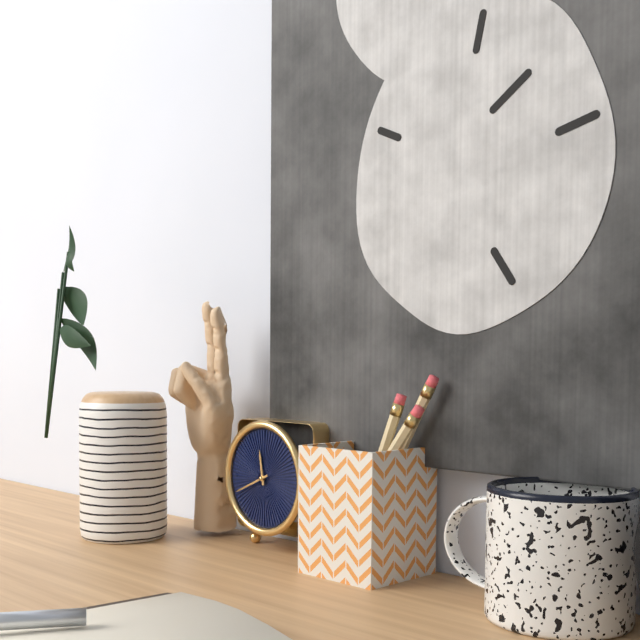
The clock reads {"hour": 11, "minute": 41}
